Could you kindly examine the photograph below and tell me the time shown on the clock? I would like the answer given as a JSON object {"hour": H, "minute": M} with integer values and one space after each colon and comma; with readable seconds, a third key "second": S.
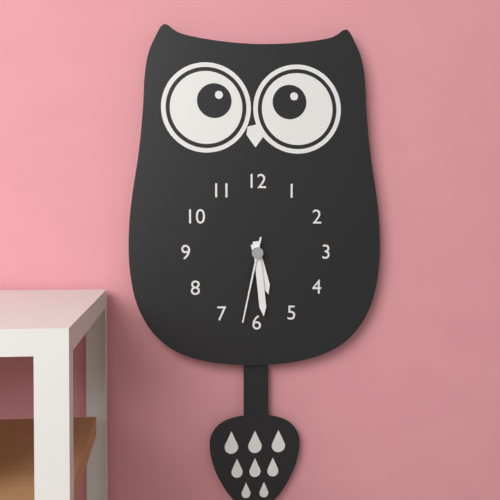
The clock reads {"hour": 5, "minute": 29, "second": 32}
